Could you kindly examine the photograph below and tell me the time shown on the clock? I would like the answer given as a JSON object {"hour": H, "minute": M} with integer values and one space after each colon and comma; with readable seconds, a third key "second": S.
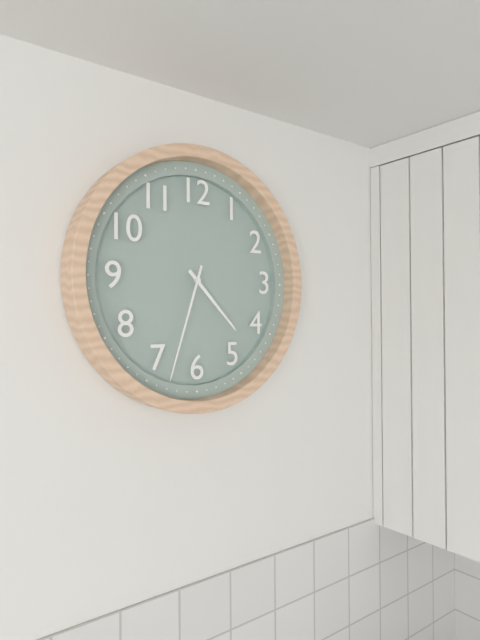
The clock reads {"hour": 4, "minute": 33}
